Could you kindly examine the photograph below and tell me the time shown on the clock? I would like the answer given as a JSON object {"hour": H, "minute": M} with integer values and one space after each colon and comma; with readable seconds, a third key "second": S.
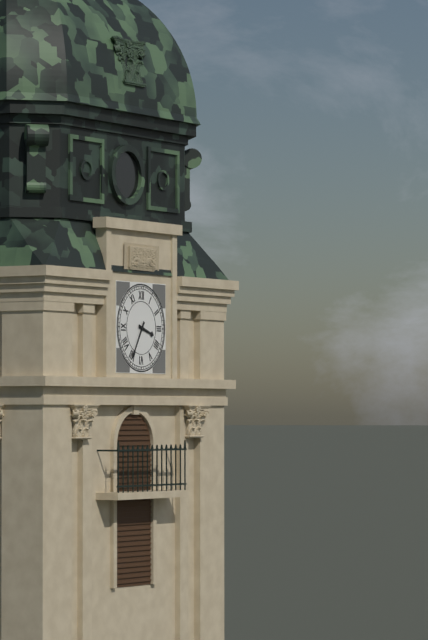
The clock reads {"hour": 3, "minute": 35}
